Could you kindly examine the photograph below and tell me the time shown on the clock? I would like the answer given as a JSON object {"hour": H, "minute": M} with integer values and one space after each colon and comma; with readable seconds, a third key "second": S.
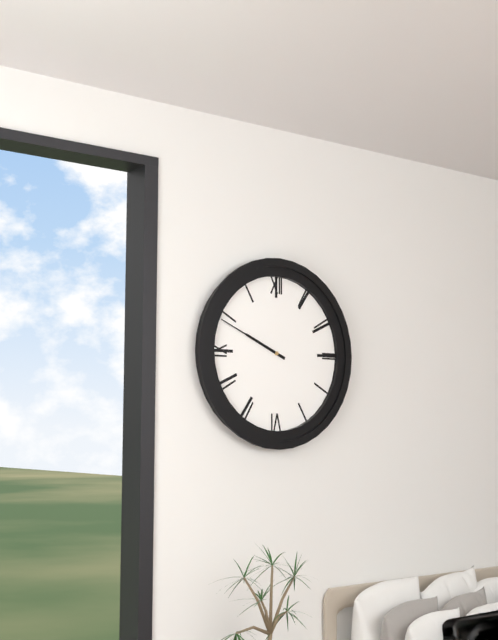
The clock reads {"hour": 9, "minute": 49}
